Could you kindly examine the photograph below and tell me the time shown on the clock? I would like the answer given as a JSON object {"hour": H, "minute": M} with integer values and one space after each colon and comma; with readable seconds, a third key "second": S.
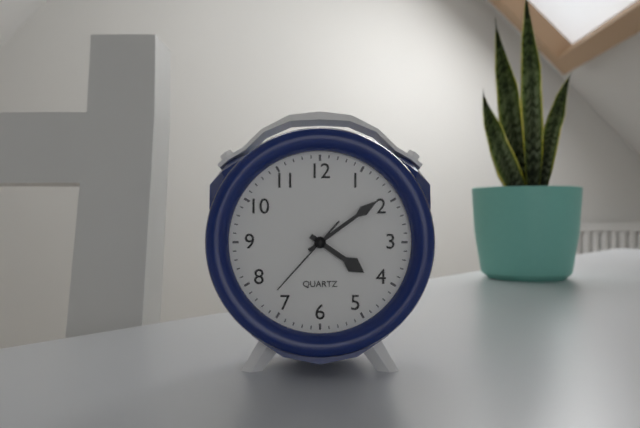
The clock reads {"hour": 4, "minute": 9, "second": 37}
